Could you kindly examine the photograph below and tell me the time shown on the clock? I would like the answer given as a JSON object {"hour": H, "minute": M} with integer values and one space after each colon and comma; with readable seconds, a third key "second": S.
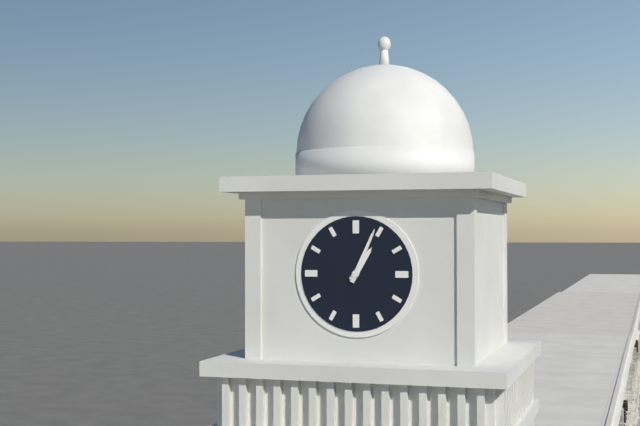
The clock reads {"hour": 1, "minute": 4}
